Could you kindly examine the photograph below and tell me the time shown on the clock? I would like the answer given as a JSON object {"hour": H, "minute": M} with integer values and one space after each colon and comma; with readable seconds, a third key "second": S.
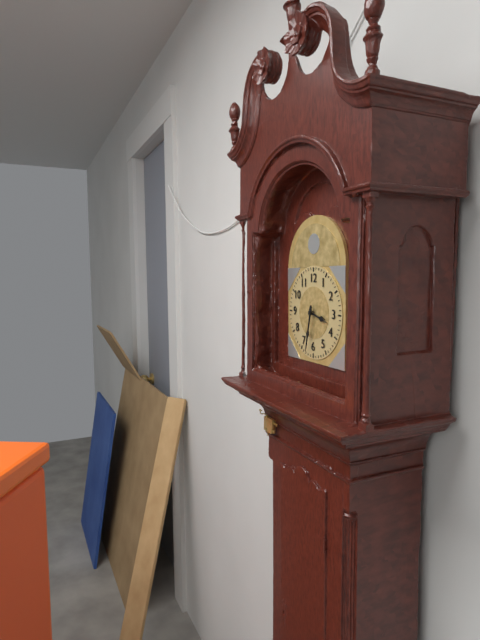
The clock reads {"hour": 3, "minute": 32}
